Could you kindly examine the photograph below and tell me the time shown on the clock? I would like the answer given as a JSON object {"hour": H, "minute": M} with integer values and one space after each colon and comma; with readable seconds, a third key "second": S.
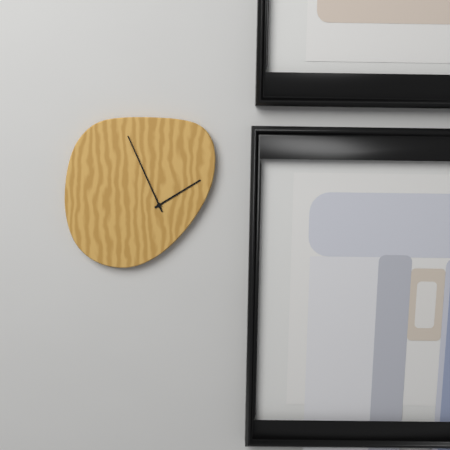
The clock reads {"hour": 1, "minute": 56}
